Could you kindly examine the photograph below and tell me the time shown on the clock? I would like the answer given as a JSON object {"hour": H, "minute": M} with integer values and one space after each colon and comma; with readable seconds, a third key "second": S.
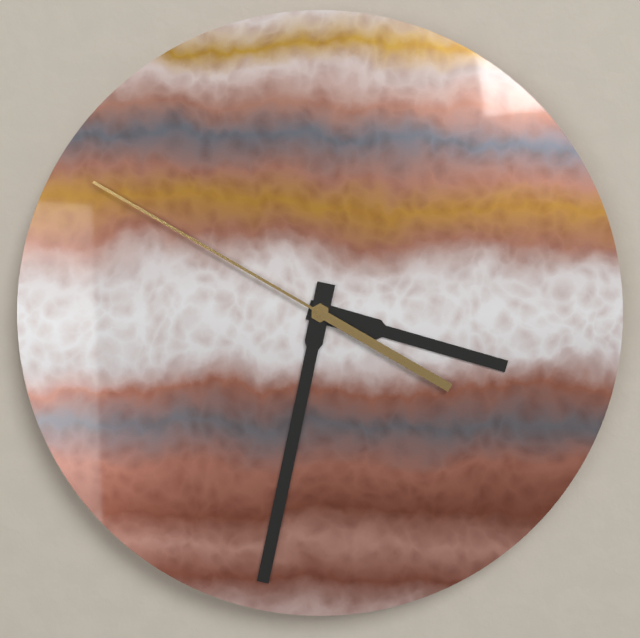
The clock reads {"hour": 3, "minute": 32, "second": 50}
